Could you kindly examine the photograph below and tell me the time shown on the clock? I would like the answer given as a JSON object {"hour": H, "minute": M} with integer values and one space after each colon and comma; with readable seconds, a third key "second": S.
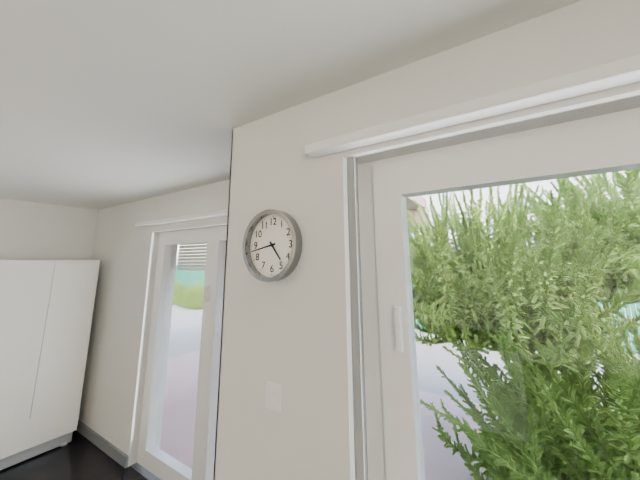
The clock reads {"hour": 4, "minute": 43}
